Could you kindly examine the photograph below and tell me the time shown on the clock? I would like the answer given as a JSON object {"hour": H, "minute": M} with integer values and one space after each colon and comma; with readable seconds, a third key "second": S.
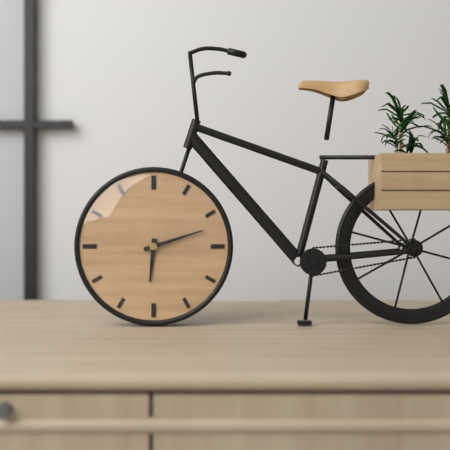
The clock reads {"hour": 6, "minute": 12}
